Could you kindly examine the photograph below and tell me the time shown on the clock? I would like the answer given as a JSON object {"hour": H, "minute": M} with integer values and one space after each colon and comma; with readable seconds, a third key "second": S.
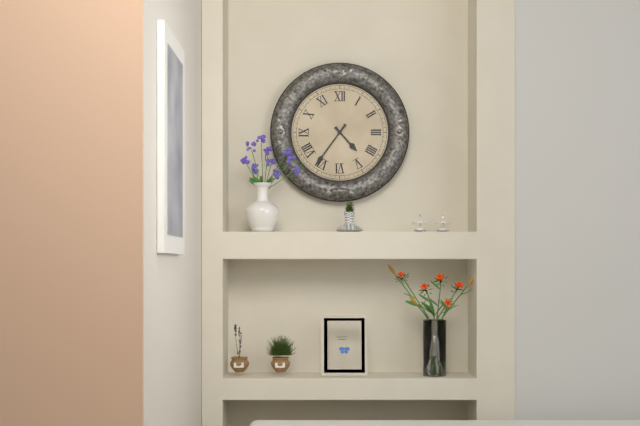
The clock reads {"hour": 4, "minute": 36}
